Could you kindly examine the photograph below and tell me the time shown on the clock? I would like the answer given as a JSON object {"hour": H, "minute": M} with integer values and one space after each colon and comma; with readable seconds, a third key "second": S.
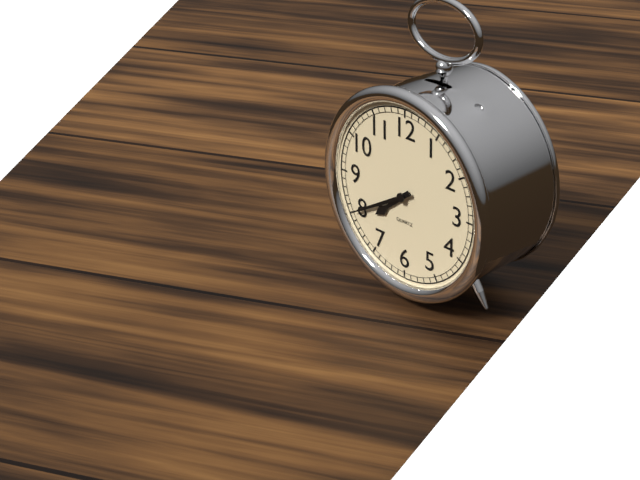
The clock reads {"hour": 7, "minute": 40}
